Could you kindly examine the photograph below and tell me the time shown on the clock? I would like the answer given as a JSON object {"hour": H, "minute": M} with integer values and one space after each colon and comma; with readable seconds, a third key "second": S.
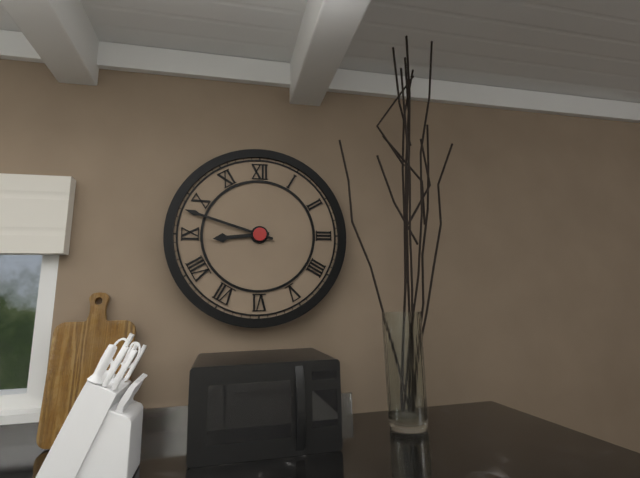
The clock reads {"hour": 8, "minute": 48}
